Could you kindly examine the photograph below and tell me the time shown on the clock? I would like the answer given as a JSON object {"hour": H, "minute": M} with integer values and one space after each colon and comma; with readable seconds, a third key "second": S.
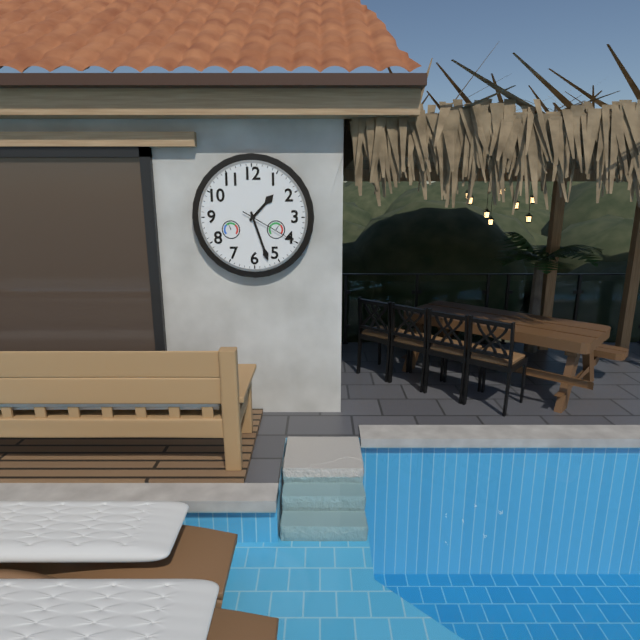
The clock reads {"hour": 1, "minute": 27, "second": 20}
